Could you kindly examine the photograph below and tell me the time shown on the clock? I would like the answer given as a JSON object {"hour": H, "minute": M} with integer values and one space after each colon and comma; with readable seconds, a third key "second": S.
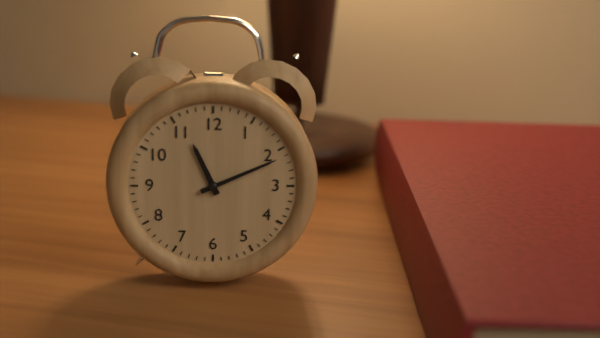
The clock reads {"hour": 11, "minute": 11}
